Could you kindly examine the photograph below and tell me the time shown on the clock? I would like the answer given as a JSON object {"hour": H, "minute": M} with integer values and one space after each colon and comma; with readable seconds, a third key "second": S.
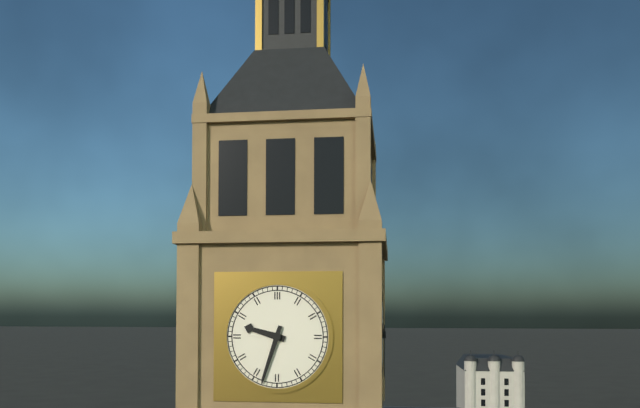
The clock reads {"hour": 9, "minute": 33}
